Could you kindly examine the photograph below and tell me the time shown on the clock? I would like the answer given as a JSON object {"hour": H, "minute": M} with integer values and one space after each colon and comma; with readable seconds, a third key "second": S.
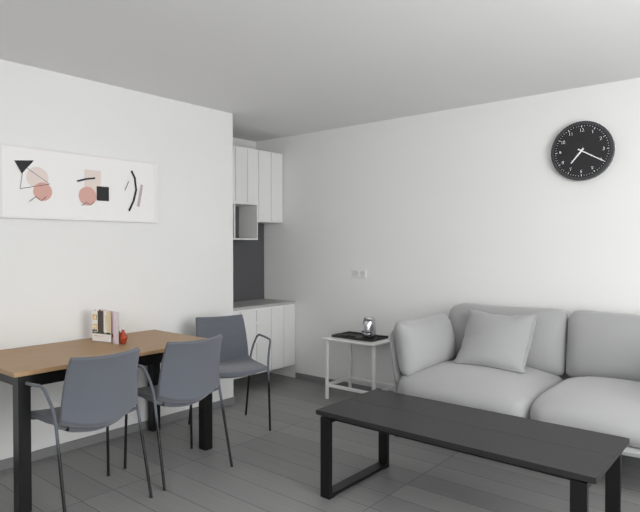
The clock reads {"hour": 7, "minute": 20}
